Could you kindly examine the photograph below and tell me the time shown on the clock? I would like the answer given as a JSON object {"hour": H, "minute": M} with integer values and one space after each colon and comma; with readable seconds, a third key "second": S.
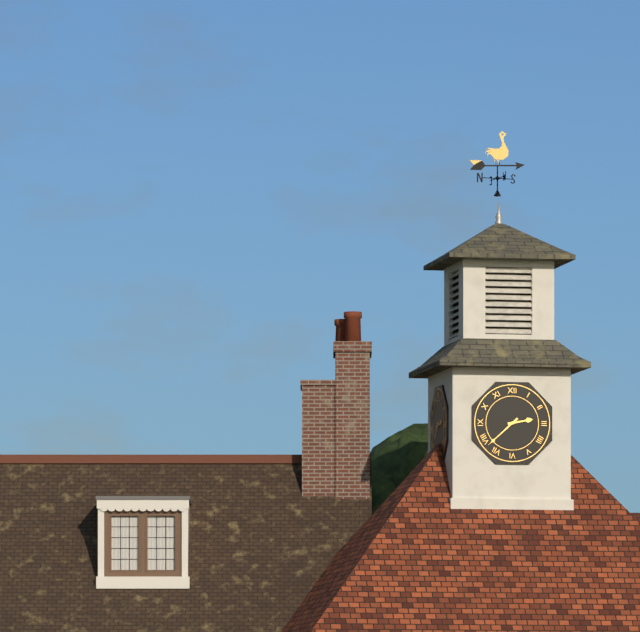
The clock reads {"hour": 2, "minute": 38}
